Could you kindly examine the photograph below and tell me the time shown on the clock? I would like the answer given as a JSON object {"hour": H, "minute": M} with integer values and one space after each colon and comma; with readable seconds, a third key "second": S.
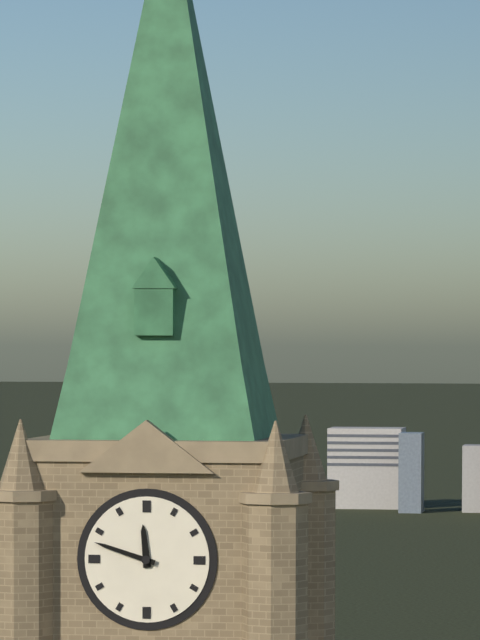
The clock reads {"hour": 11, "minute": 48}
